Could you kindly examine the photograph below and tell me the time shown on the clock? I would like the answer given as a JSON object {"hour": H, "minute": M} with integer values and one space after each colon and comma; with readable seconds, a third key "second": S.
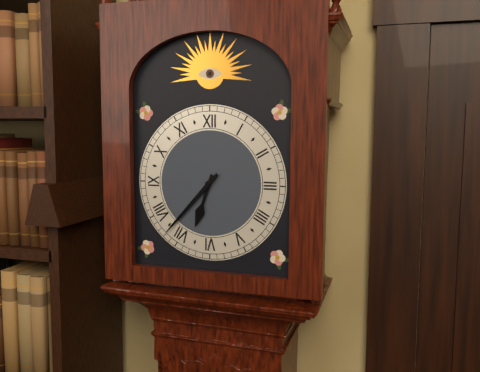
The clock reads {"hour": 6, "minute": 37}
